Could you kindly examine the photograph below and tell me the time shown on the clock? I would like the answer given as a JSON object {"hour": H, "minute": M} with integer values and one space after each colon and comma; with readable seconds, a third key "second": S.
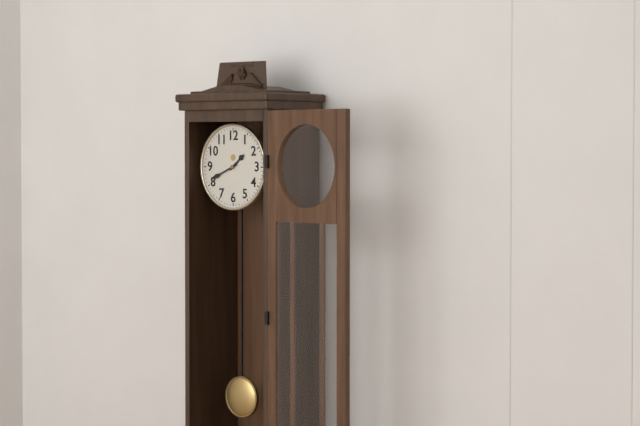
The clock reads {"hour": 1, "minute": 41}
